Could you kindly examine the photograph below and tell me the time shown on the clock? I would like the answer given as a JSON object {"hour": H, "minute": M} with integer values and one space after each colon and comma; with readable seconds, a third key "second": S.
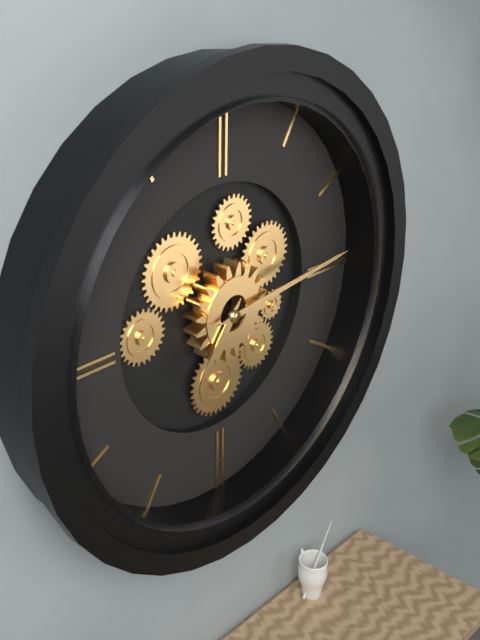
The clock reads {"hour": 7, "minute": 14}
